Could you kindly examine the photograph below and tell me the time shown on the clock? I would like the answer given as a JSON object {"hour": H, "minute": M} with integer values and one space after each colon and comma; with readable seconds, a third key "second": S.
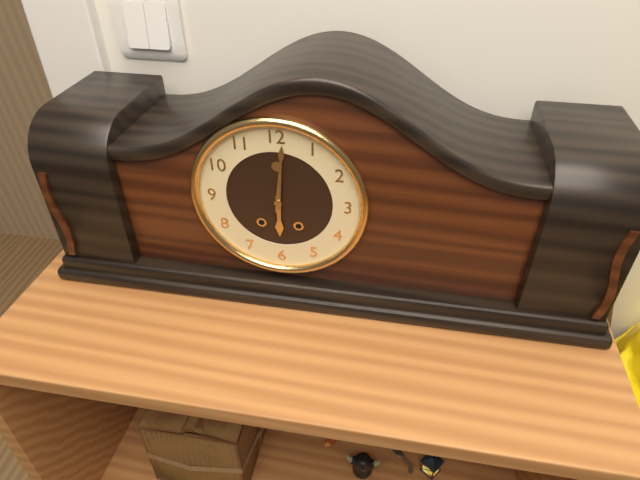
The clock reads {"hour": 6, "minute": 1}
